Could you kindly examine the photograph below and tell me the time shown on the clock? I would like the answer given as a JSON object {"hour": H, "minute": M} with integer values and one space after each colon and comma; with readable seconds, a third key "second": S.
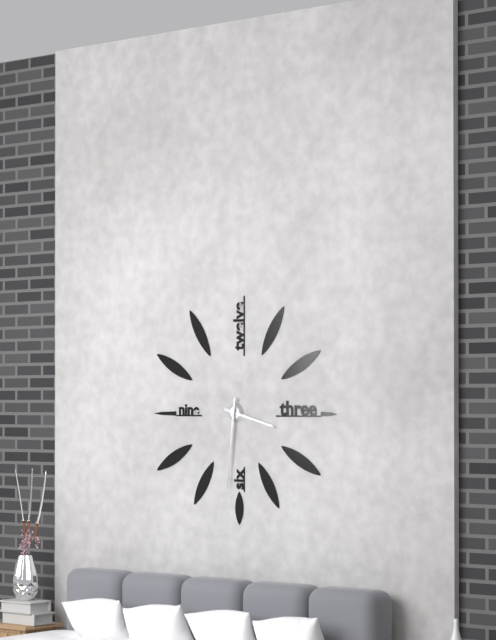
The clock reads {"hour": 3, "minute": 31}
